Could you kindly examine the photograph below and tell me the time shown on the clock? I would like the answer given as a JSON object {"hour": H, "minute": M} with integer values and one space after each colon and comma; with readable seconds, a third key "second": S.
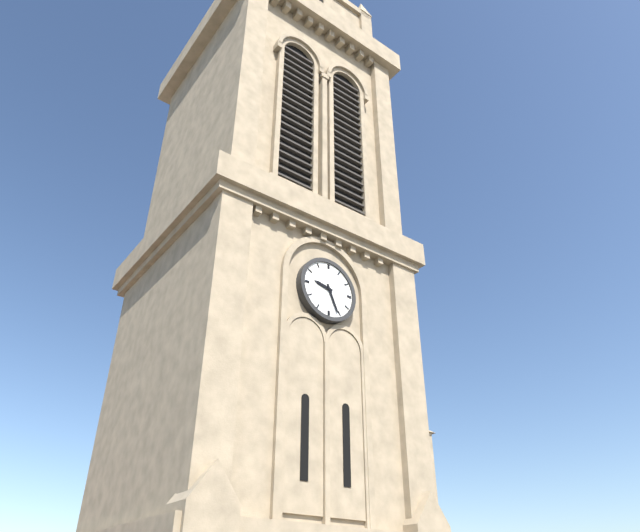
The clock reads {"hour": 9, "minute": 26}
